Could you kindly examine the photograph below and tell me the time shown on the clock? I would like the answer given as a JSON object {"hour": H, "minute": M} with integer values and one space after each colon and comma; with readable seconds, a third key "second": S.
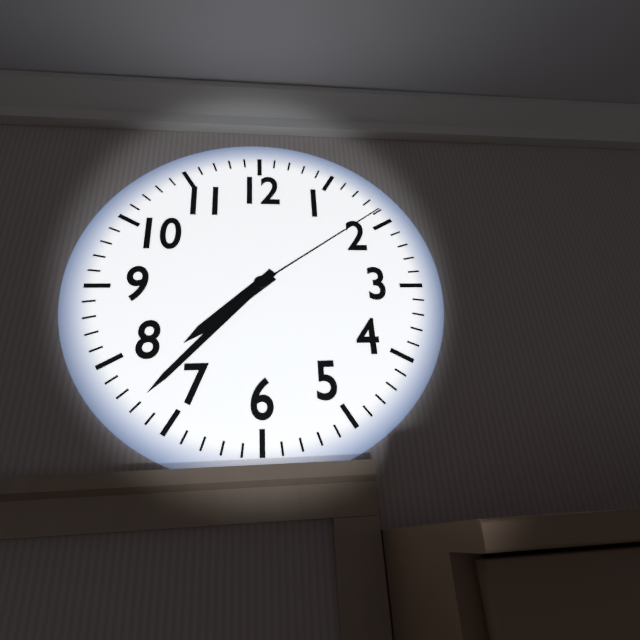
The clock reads {"hour": 7, "minute": 37, "second": 9}
